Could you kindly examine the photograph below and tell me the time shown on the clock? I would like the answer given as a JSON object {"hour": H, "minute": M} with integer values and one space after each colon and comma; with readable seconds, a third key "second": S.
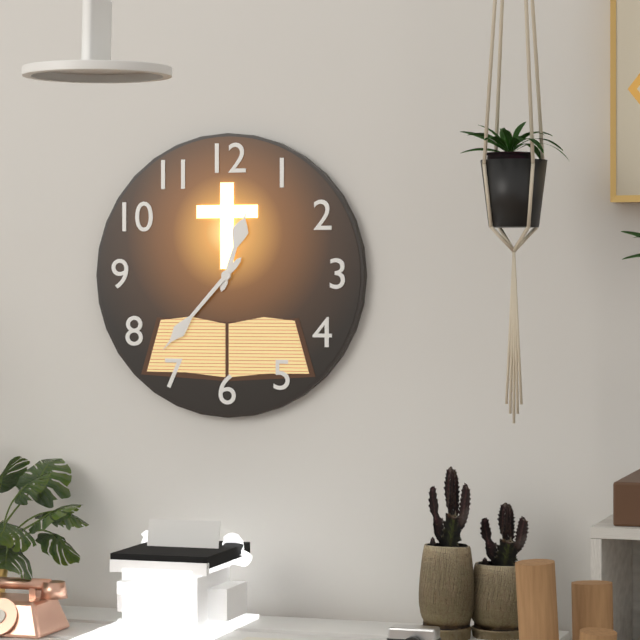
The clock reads {"hour": 12, "minute": 37}
